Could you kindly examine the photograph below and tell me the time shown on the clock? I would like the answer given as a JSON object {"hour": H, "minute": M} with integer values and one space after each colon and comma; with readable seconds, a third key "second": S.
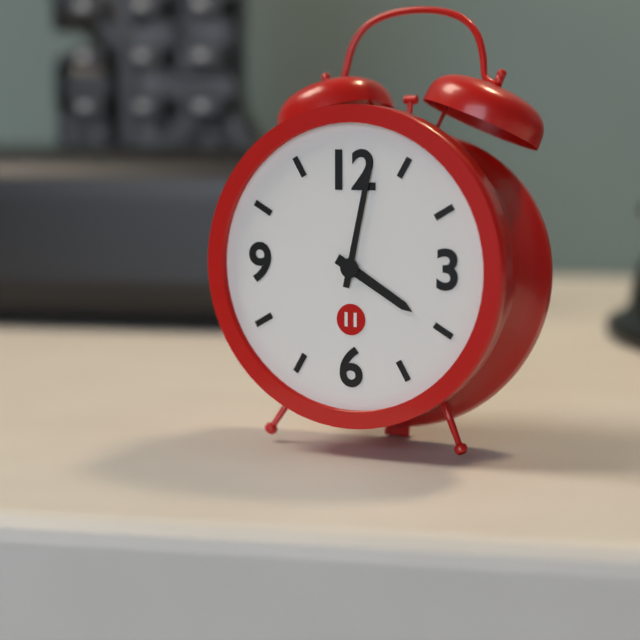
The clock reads {"hour": 4, "minute": 2}
